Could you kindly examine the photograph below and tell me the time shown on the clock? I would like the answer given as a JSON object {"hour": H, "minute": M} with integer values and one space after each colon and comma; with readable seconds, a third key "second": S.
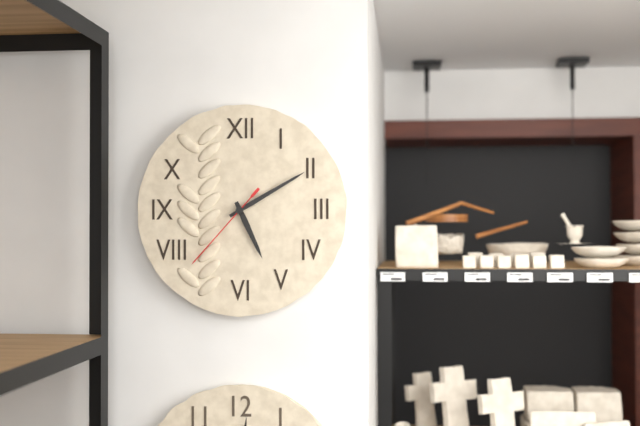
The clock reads {"hour": 5, "minute": 10, "second": 37}
